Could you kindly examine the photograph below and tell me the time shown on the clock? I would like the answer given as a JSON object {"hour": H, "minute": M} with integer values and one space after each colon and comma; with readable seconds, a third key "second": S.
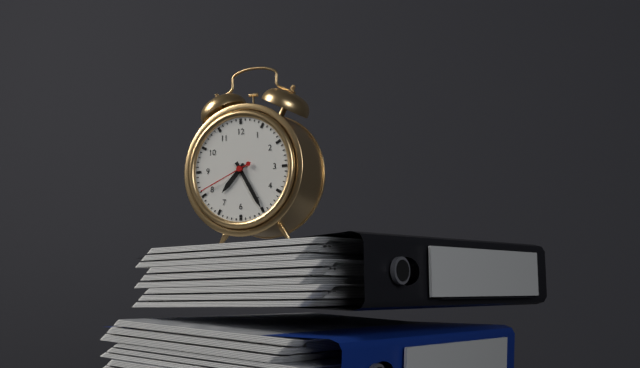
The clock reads {"hour": 7, "minute": 25, "second": 41}
